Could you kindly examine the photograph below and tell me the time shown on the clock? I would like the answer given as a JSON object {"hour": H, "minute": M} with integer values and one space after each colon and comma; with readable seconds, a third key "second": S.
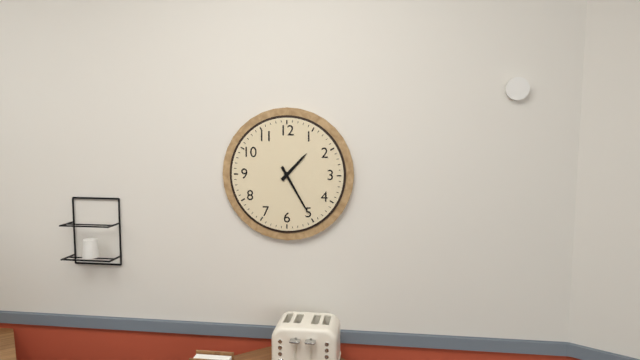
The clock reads {"hour": 1, "minute": 25}
